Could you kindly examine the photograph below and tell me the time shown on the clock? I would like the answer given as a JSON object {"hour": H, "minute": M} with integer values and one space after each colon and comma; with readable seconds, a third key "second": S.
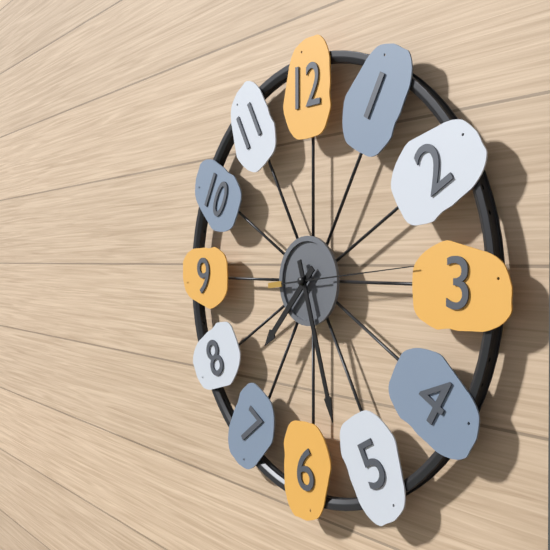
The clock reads {"hour": 7, "minute": 27, "second": 14}
